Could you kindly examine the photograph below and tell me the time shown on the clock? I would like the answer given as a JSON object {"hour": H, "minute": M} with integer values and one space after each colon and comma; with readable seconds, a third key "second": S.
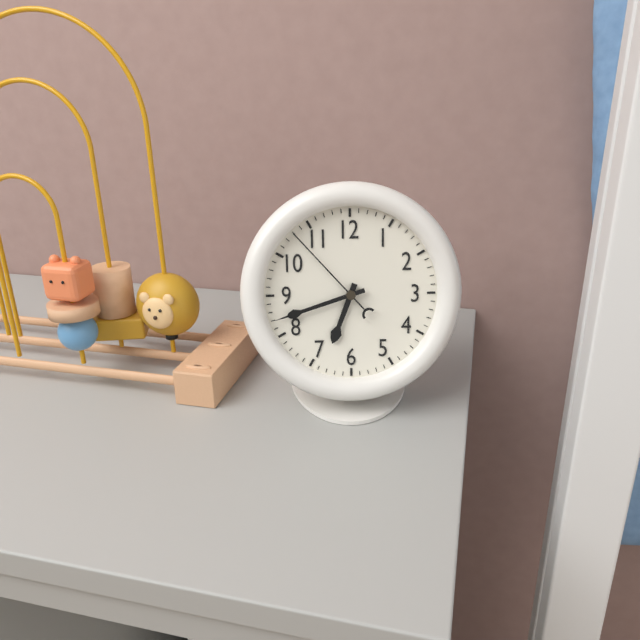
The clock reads {"hour": 6, "minute": 42, "second": 53}
